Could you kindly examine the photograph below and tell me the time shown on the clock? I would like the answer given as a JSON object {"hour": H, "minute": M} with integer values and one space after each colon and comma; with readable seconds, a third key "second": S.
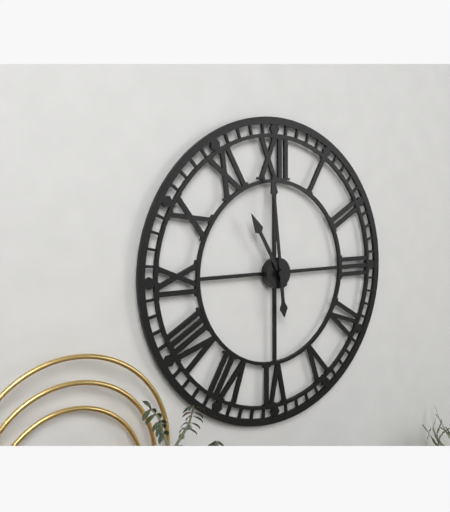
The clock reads {"hour": 10, "minute": 59}
